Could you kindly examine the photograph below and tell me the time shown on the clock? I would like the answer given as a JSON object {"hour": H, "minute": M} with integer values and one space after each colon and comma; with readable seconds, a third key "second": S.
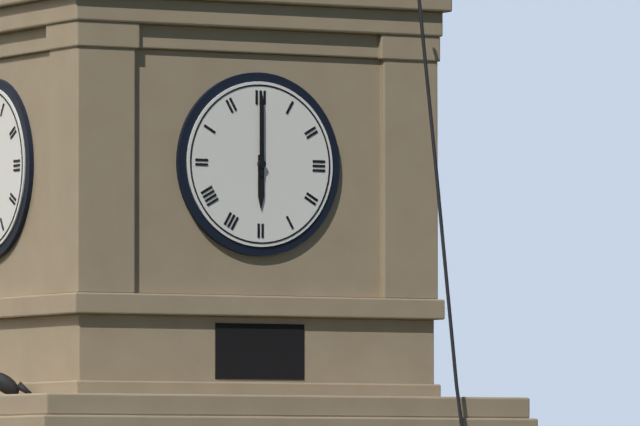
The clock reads {"hour": 6, "minute": 0}
